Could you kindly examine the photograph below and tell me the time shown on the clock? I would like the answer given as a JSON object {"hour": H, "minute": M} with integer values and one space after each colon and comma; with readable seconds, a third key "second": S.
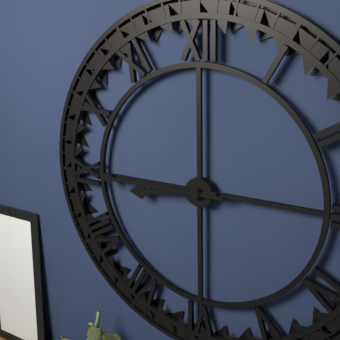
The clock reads {"hour": 8, "minute": 45}
